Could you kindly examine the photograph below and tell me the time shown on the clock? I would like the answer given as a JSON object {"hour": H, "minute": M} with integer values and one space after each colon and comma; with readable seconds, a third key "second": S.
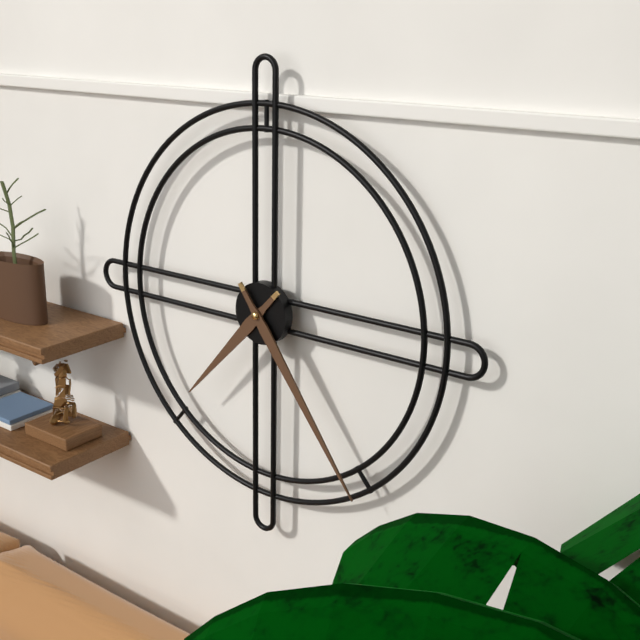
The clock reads {"hour": 7, "minute": 24}
